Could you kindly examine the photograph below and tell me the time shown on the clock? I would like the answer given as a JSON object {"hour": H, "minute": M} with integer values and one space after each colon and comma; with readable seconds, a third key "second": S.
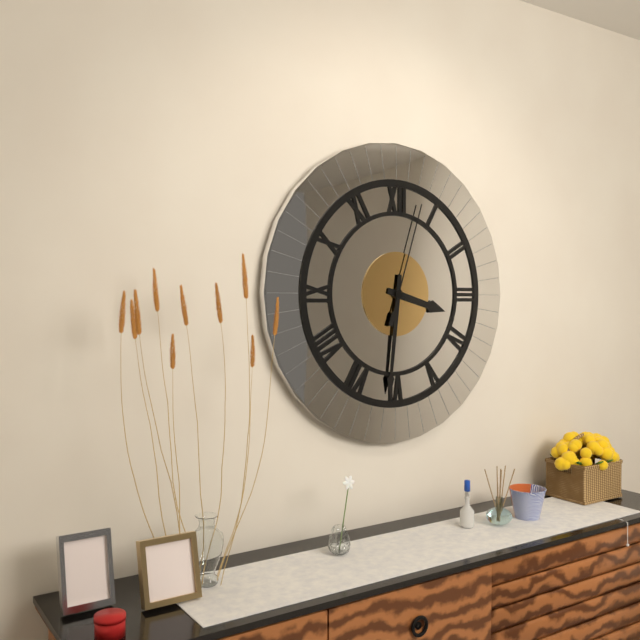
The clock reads {"hour": 3, "minute": 31, "second": 3}
